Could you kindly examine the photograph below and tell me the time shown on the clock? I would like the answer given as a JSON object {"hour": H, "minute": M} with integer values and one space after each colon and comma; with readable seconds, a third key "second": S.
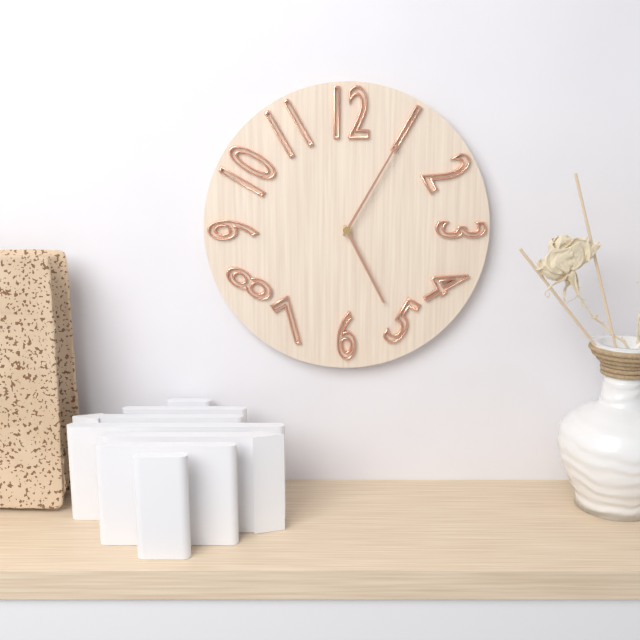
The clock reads {"hour": 5, "minute": 5}
